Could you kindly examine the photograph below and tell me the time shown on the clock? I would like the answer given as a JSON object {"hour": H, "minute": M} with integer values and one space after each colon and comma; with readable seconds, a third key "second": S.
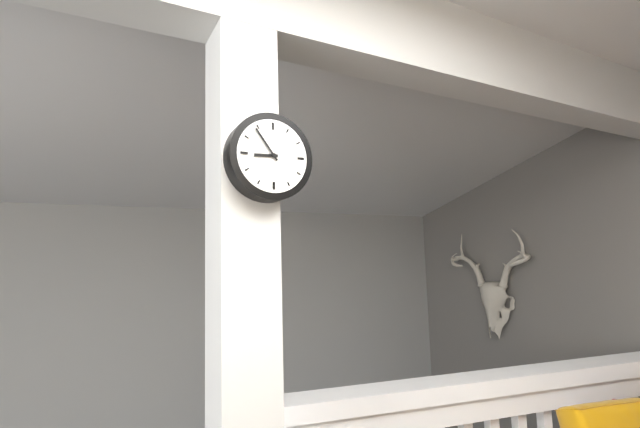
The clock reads {"hour": 8, "minute": 54}
